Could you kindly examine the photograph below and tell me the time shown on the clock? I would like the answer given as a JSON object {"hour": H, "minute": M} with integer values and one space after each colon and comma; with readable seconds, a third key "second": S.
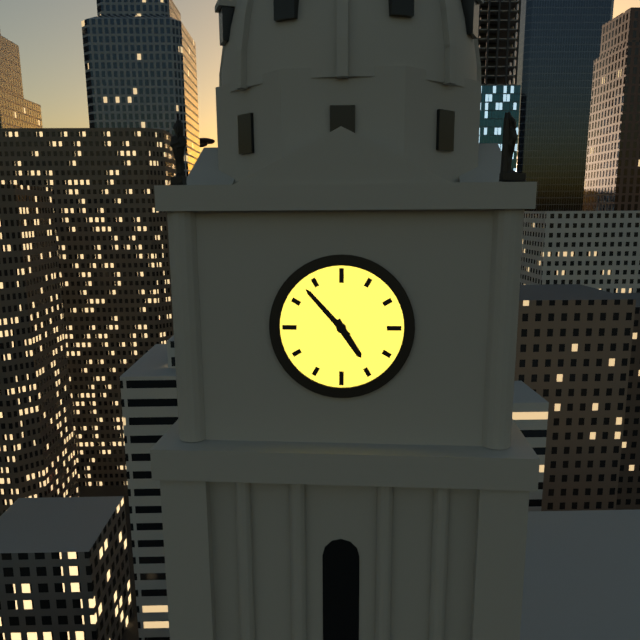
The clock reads {"hour": 4, "minute": 53}
